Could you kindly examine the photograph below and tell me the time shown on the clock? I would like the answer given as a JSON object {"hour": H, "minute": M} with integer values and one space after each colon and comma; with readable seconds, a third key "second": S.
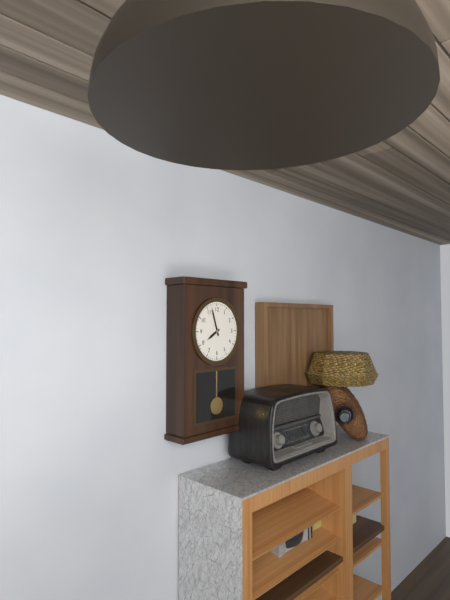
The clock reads {"hour": 7, "minute": 57}
